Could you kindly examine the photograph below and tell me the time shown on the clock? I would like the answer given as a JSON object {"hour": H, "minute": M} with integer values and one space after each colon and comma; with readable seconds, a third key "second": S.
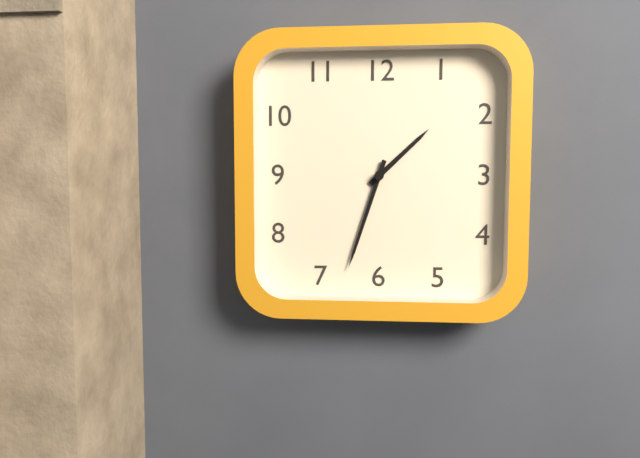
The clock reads {"hour": 1, "minute": 33}
